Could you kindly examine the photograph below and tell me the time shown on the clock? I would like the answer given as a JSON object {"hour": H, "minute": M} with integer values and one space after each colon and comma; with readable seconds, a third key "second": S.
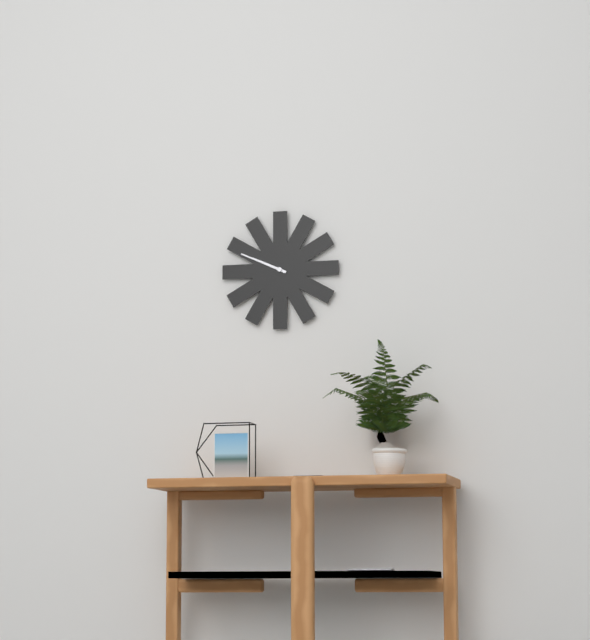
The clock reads {"hour": 9, "minute": 49}
